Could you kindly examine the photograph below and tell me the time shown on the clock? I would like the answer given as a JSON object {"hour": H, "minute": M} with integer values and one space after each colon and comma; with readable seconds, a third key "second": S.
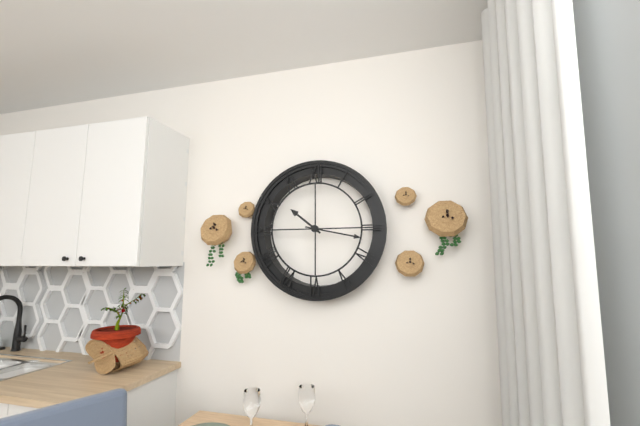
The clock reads {"hour": 10, "minute": 17}
